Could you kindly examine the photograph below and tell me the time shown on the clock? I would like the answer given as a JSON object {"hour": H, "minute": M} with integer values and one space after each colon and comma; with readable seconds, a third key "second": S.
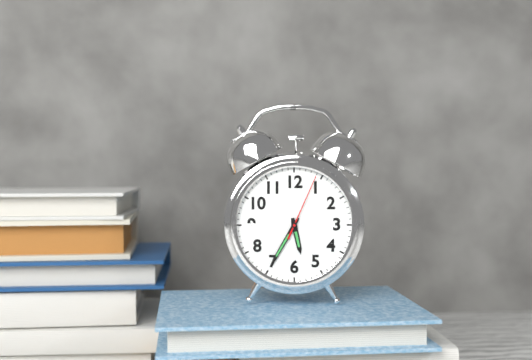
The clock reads {"hour": 5, "minute": 35, "second": 4}
